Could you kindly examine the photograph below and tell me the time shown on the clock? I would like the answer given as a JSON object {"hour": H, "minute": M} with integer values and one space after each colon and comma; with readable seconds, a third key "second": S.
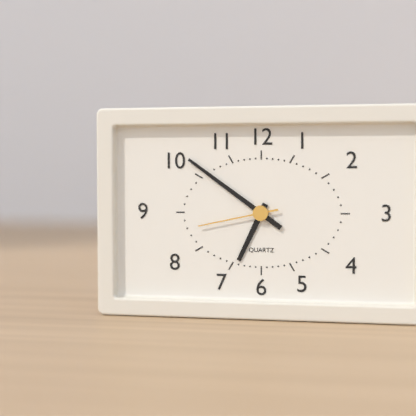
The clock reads {"hour": 6, "minute": 51, "second": 43}
